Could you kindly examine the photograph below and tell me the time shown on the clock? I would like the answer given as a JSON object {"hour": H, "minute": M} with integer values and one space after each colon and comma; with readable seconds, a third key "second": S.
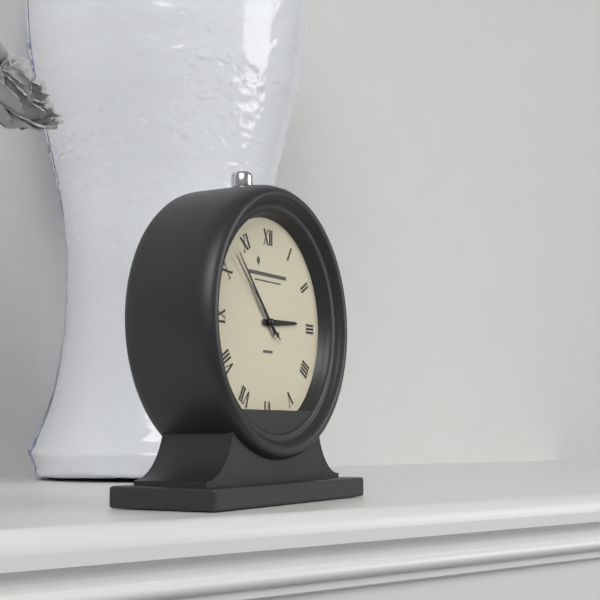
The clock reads {"hour": 2, "minute": 53, "second": 52}
